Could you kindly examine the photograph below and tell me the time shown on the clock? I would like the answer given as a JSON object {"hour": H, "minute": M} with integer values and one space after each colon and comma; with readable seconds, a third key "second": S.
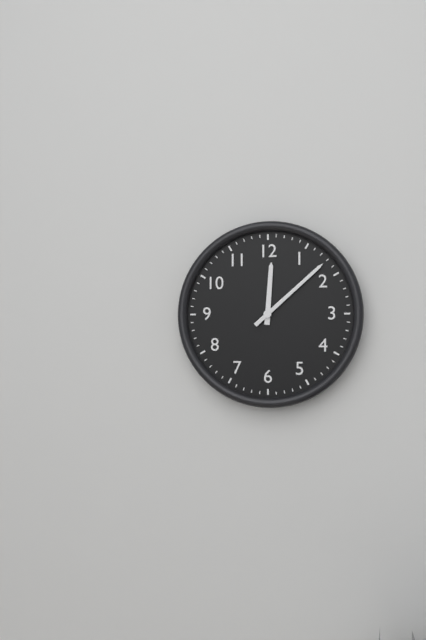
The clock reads {"hour": 12, "minute": 8}
